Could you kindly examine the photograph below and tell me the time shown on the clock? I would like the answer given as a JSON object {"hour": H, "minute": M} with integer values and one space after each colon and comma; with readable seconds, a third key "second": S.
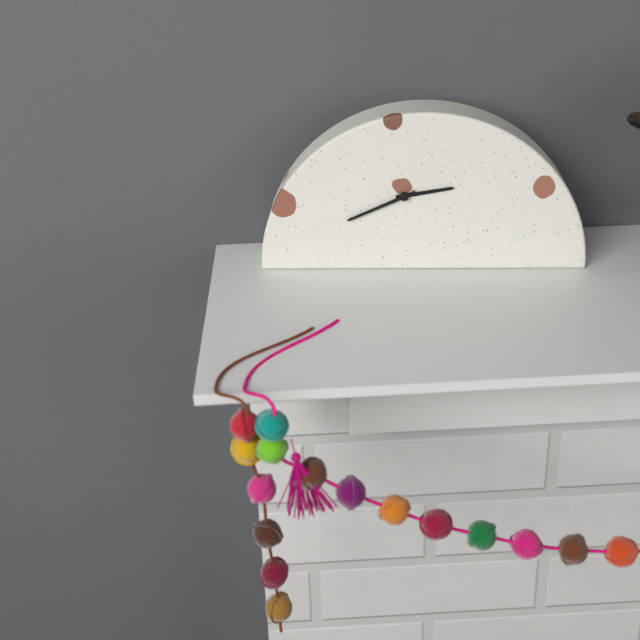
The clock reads {"hour": 2, "minute": 41}
